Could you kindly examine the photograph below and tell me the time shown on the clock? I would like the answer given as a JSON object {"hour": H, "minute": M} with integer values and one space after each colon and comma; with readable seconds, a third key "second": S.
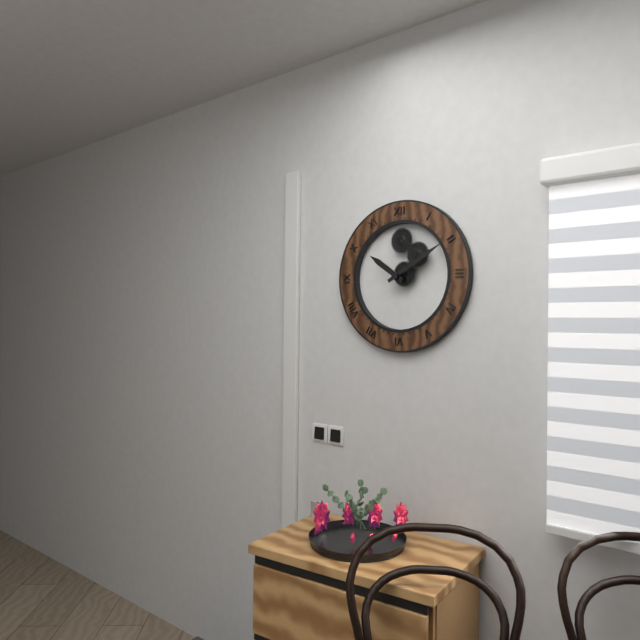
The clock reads {"hour": 10, "minute": 10}
